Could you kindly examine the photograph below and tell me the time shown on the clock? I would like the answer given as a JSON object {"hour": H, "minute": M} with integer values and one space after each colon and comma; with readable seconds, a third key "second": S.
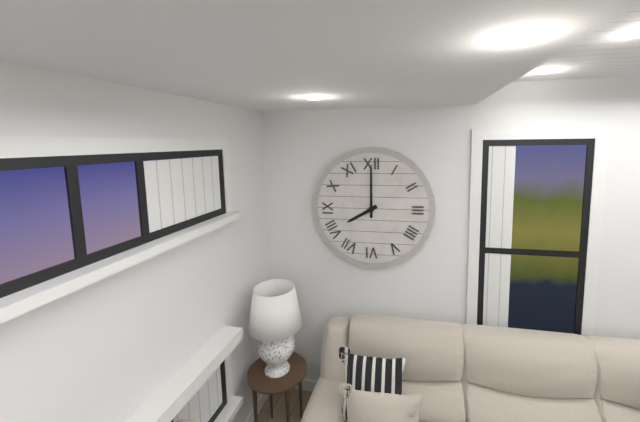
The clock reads {"hour": 8, "minute": 0}
